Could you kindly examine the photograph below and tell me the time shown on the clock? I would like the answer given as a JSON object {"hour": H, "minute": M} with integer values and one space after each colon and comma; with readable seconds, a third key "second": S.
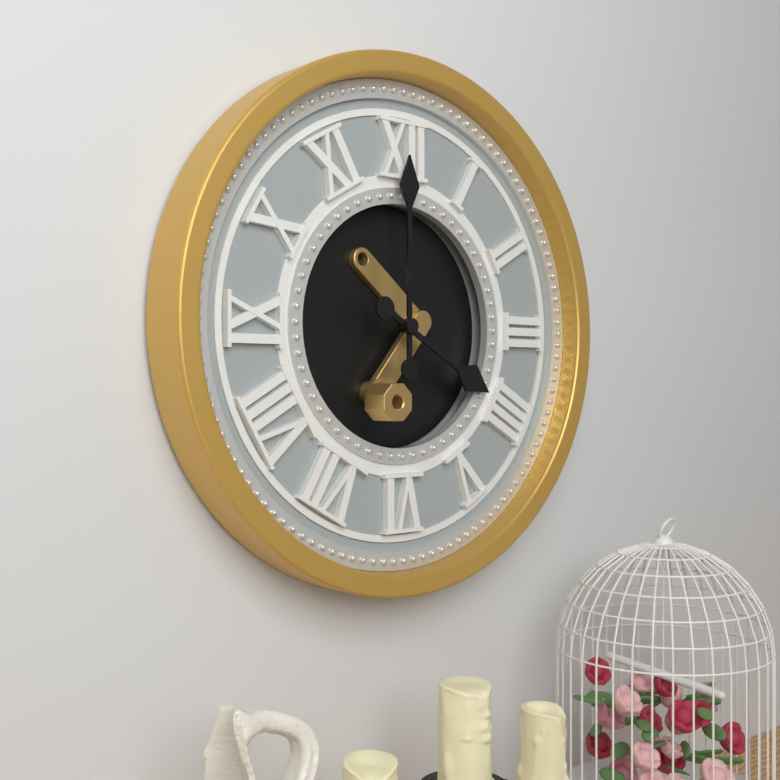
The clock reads {"hour": 4, "minute": 0}
